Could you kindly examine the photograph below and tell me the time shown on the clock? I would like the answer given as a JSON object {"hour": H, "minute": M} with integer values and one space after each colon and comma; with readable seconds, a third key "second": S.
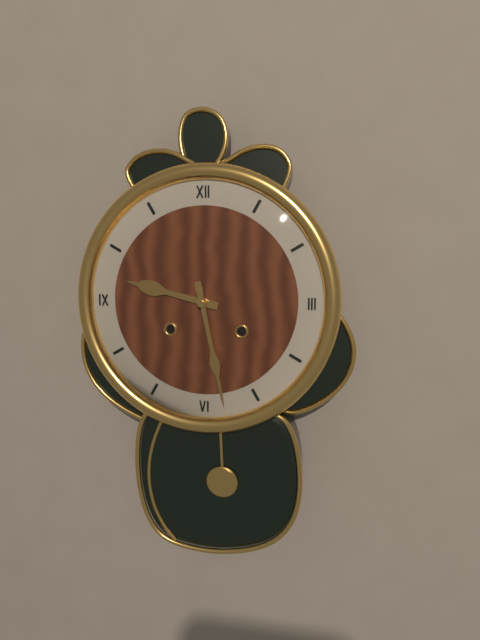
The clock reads {"hour": 9, "minute": 28}
